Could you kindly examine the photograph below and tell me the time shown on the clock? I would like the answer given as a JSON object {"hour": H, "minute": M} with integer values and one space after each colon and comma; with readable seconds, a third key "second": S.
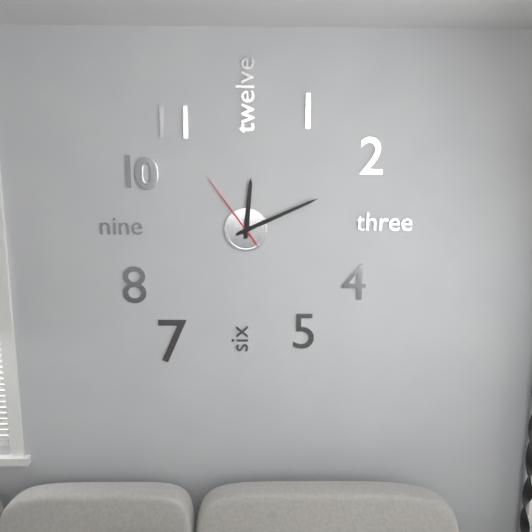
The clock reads {"hour": 12, "minute": 11, "second": 54}
